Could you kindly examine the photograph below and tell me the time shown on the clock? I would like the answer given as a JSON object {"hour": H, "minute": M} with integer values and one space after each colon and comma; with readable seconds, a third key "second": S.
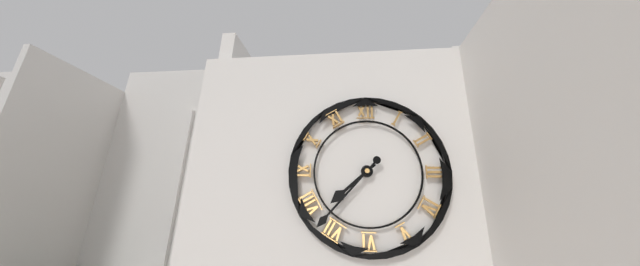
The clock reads {"hour": 7, "minute": 37}
